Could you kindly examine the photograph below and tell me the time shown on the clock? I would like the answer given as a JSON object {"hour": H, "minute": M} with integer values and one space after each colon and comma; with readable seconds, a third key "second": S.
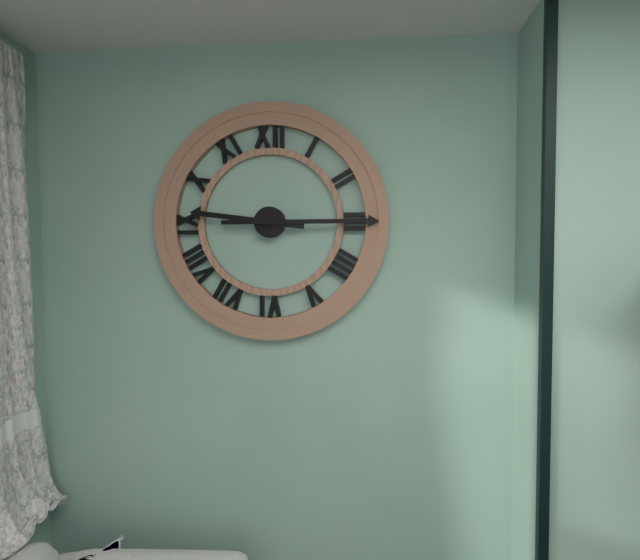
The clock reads {"hour": 9, "minute": 15}
